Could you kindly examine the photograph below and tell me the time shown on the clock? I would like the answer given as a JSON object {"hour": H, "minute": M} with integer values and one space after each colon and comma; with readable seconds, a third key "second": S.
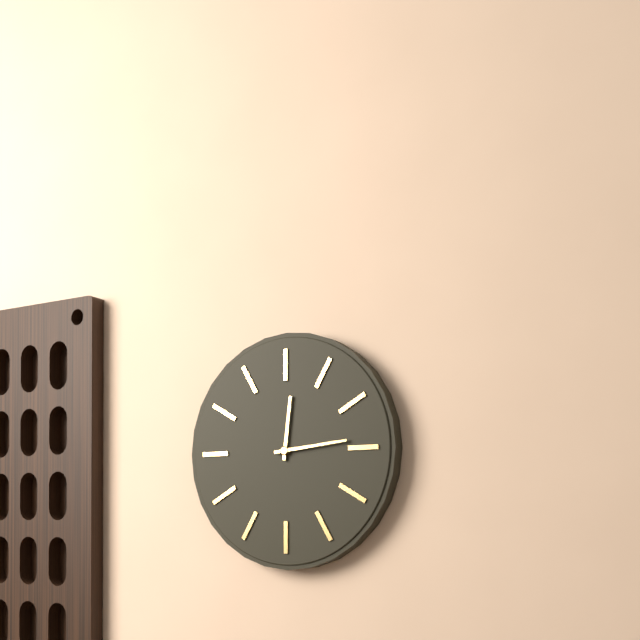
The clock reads {"hour": 12, "minute": 14}
